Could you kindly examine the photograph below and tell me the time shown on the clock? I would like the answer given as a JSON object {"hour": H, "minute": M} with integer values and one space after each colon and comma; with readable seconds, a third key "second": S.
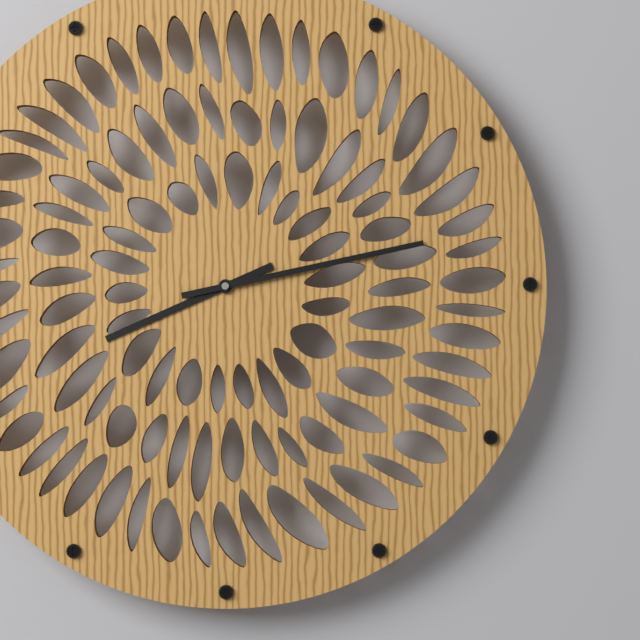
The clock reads {"hour": 8, "minute": 13}
